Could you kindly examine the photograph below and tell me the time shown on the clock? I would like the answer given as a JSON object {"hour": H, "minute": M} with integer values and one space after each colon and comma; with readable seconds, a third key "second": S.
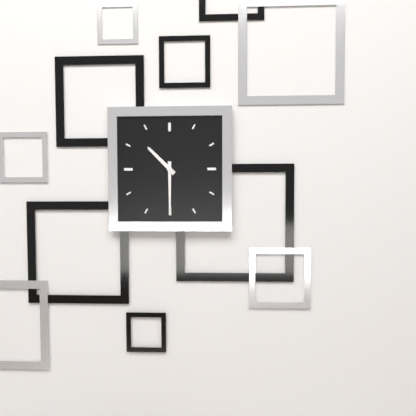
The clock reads {"hour": 10, "minute": 30}
